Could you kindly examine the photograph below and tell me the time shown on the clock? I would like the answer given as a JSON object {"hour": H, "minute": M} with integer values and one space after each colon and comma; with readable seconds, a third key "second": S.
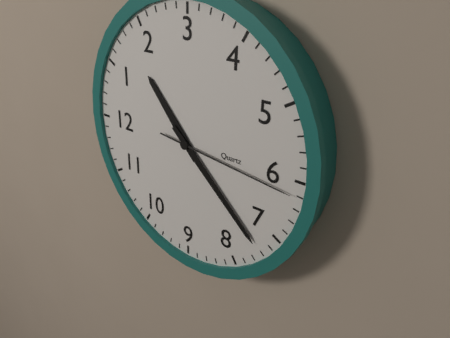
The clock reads {"hour": 1, "minute": 37, "second": 31}
